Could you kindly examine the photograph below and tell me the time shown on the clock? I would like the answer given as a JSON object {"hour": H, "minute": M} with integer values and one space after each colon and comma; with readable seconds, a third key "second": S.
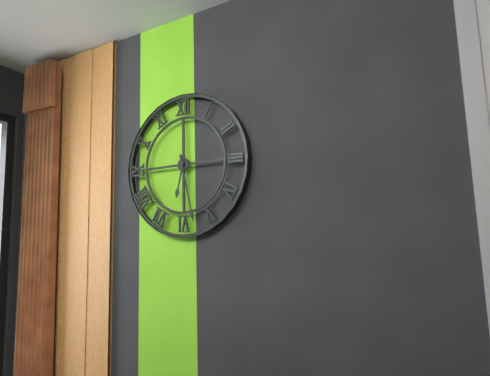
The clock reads {"hour": 6, "minute": 28}
